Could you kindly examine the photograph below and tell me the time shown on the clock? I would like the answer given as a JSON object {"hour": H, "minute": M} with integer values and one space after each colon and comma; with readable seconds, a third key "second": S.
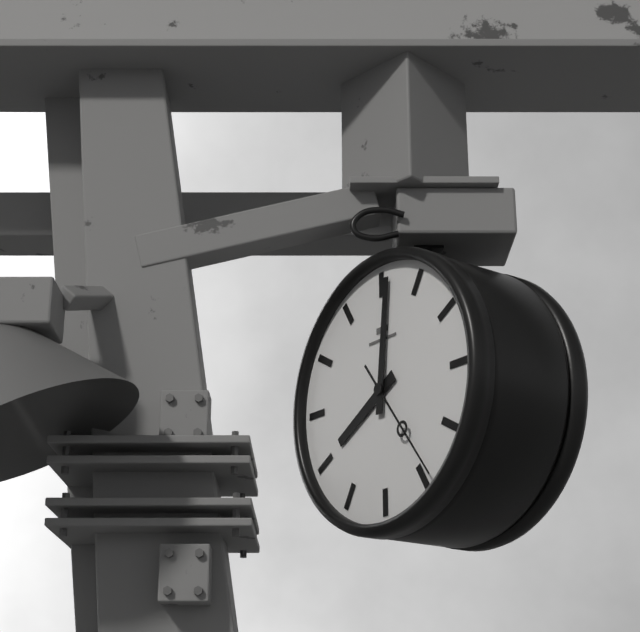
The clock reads {"hour": 8, "minute": 1, "second": 24}
